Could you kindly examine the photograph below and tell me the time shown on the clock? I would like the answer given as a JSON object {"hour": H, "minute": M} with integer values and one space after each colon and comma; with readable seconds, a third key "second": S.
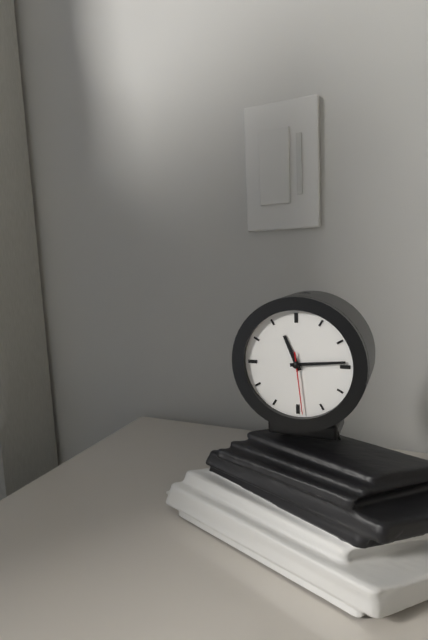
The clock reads {"hour": 11, "minute": 14, "second": 29}
